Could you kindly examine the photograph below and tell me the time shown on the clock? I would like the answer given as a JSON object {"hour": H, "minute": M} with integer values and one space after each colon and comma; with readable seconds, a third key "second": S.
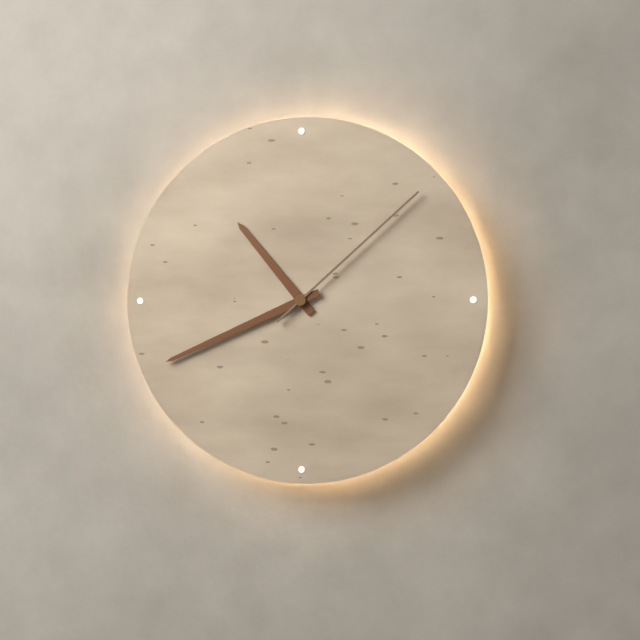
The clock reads {"hour": 10, "minute": 41, "second": 8}
